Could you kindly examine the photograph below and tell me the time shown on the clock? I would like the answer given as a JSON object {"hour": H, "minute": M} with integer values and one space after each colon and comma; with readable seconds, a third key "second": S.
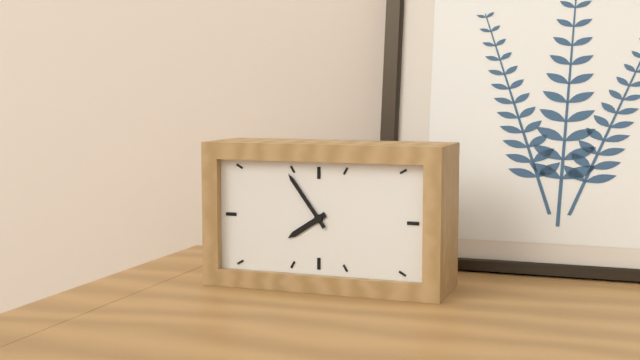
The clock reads {"hour": 7, "minute": 54}
